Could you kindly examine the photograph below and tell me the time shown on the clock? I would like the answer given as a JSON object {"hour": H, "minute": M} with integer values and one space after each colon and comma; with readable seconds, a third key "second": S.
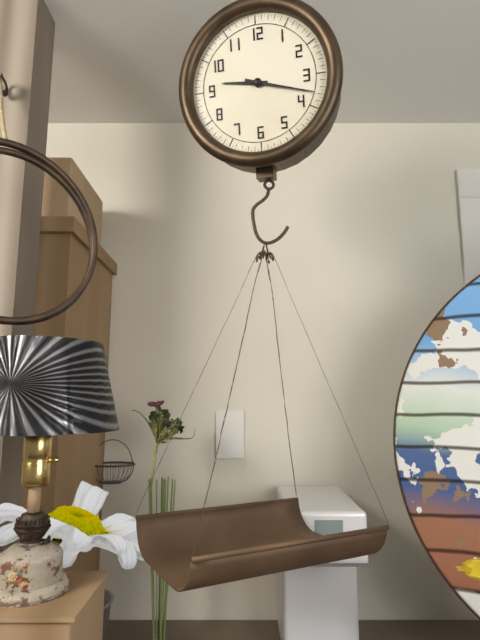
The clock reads {"hour": 9, "minute": 18}
